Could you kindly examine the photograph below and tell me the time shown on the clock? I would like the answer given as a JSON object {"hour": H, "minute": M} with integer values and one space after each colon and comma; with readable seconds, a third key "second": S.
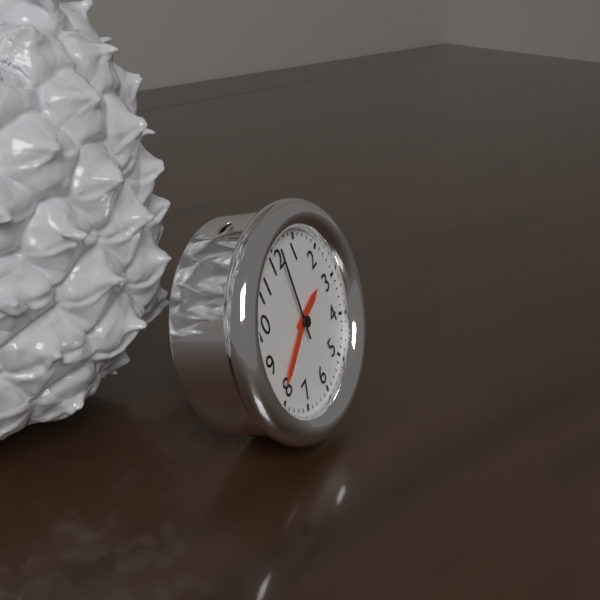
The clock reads {"hour": 2, "minute": 41, "second": 1}
